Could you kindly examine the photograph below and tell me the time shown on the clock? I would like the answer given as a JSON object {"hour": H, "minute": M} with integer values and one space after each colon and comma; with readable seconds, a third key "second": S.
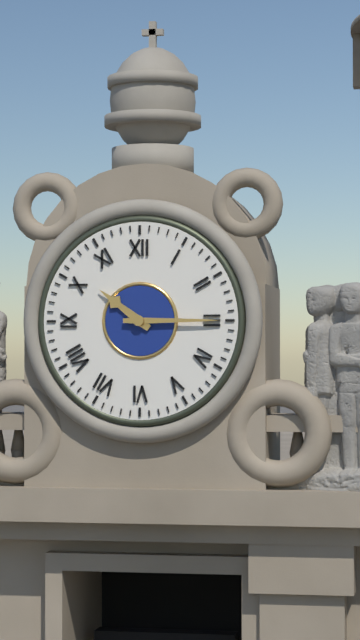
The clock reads {"hour": 10, "minute": 15}
